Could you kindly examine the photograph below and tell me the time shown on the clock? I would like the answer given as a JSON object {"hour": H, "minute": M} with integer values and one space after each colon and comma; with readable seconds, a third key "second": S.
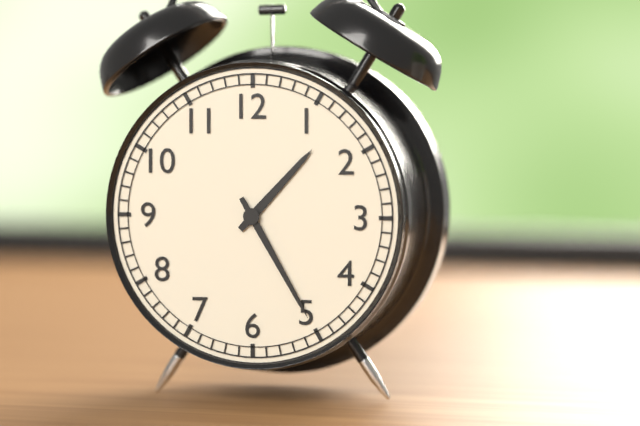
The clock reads {"hour": 1, "minute": 25}
